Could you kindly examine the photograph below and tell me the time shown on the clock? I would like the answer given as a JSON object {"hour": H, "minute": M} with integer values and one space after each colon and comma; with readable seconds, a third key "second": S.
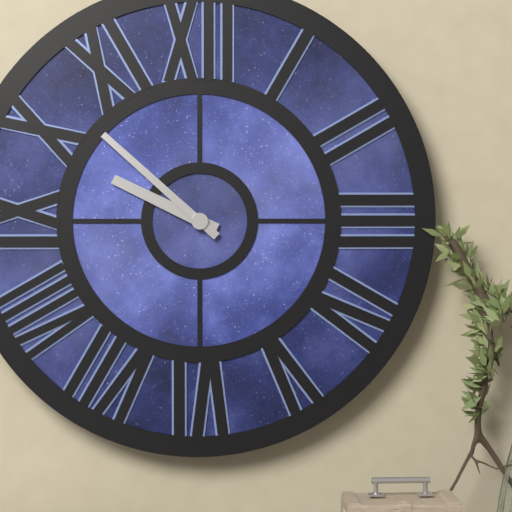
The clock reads {"hour": 9, "minute": 52}
